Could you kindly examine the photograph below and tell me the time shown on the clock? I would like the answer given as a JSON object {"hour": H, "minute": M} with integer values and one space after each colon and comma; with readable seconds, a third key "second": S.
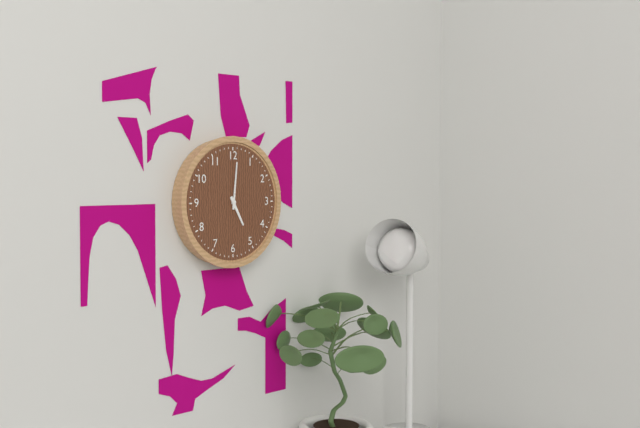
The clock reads {"hour": 5, "minute": 1}
